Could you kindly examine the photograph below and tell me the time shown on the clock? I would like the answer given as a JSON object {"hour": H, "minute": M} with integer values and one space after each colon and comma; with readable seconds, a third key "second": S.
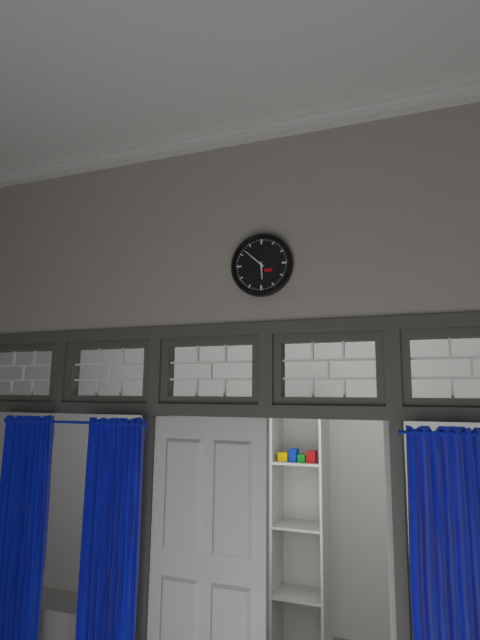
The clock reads {"hour": 5, "minute": 52}
